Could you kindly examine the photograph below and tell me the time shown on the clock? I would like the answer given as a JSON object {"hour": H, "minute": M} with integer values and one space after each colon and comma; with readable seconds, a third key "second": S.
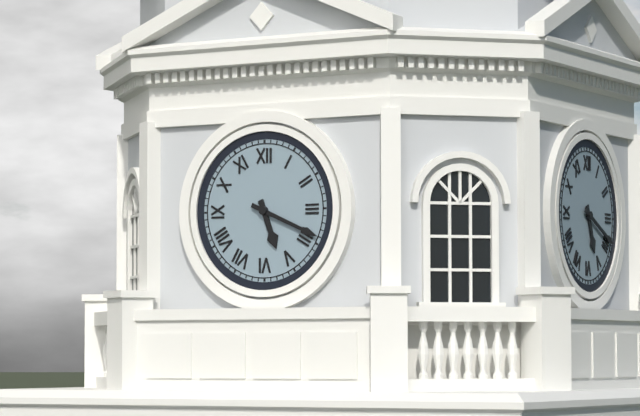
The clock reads {"hour": 5, "minute": 19}
